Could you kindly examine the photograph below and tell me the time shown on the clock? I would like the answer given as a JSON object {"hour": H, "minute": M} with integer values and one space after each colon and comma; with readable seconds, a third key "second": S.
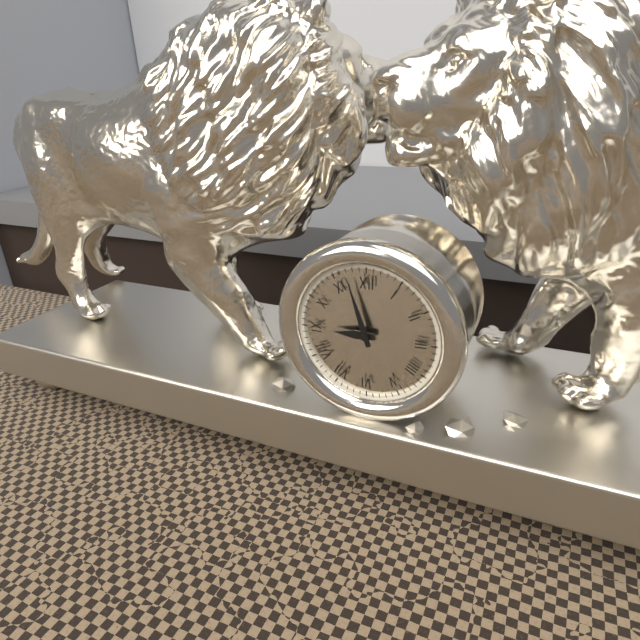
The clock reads {"hour": 8, "minute": 57}
